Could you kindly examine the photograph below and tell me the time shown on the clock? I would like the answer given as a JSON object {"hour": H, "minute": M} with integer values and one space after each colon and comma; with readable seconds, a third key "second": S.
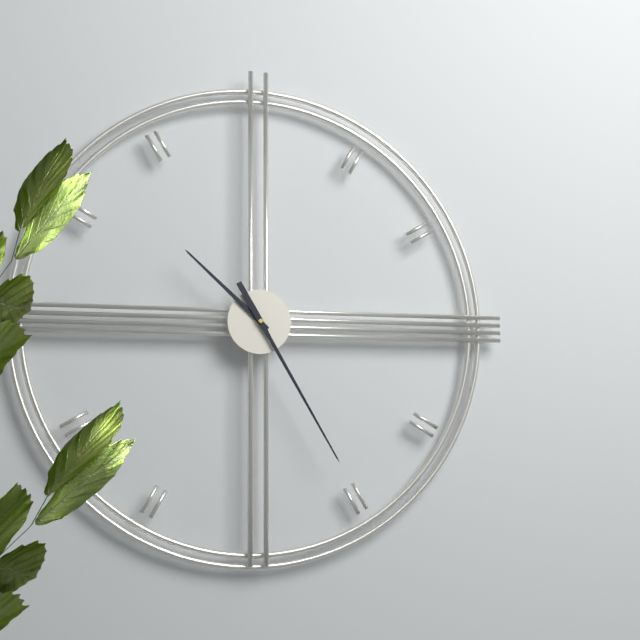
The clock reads {"hour": 10, "minute": 25}
